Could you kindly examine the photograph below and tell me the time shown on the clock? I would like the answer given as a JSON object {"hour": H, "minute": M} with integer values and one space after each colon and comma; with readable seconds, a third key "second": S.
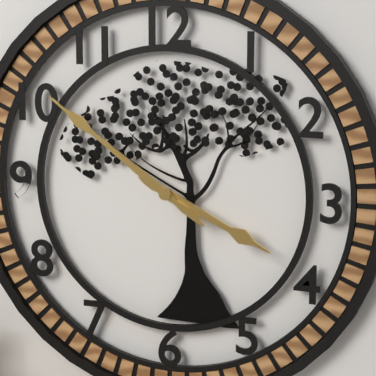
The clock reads {"hour": 3, "minute": 51}
